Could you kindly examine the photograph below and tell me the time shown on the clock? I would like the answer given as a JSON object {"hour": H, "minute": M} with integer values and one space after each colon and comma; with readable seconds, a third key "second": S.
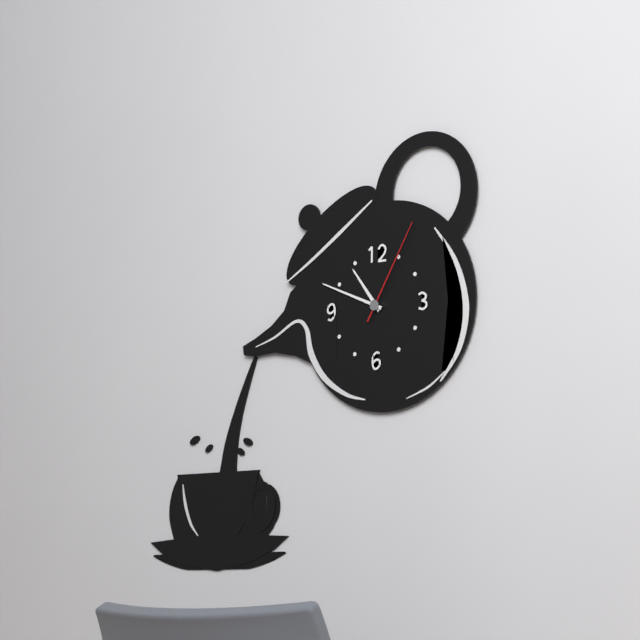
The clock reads {"hour": 10, "minute": 49, "second": 5}
